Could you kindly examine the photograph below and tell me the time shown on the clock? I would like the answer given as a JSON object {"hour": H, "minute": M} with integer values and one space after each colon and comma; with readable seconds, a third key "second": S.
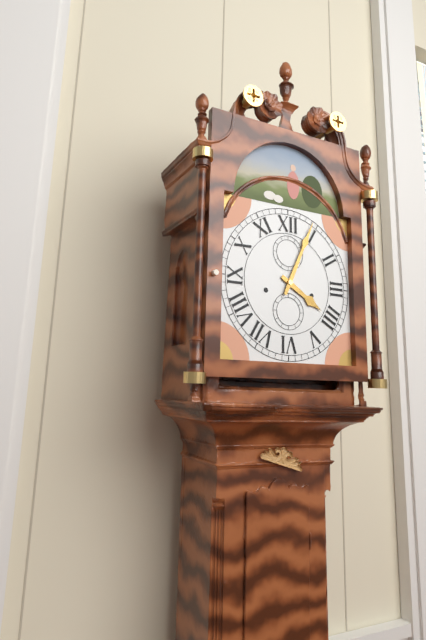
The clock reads {"hour": 4, "minute": 4}
